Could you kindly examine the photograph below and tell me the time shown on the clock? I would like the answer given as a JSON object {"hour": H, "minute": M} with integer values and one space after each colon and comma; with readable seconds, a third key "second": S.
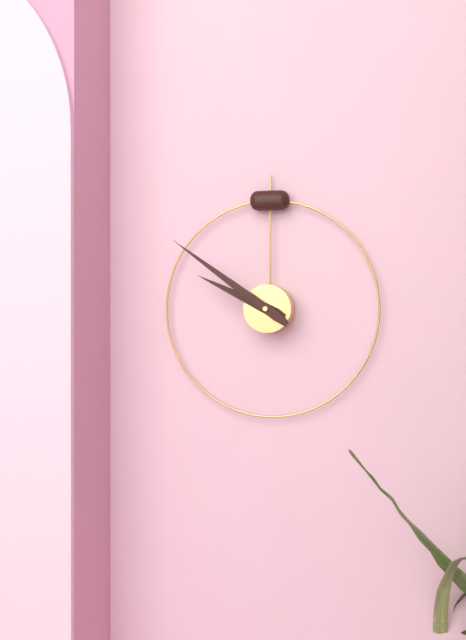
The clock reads {"hour": 9, "minute": 51}
